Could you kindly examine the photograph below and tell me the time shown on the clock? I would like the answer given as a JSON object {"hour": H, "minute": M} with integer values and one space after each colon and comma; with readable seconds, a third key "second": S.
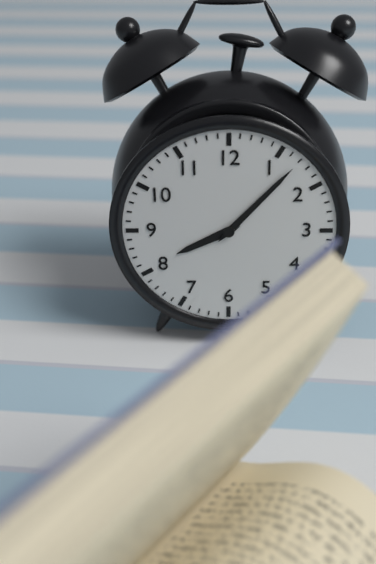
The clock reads {"hour": 8, "minute": 7}
